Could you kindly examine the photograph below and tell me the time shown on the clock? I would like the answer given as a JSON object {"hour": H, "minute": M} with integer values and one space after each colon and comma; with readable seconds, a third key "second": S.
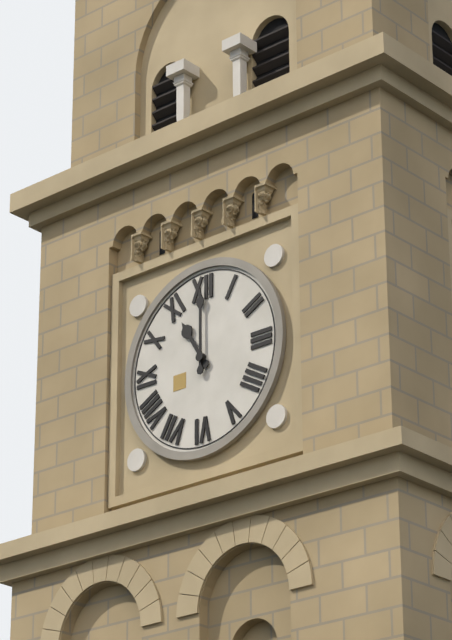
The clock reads {"hour": 11, "minute": 0}
